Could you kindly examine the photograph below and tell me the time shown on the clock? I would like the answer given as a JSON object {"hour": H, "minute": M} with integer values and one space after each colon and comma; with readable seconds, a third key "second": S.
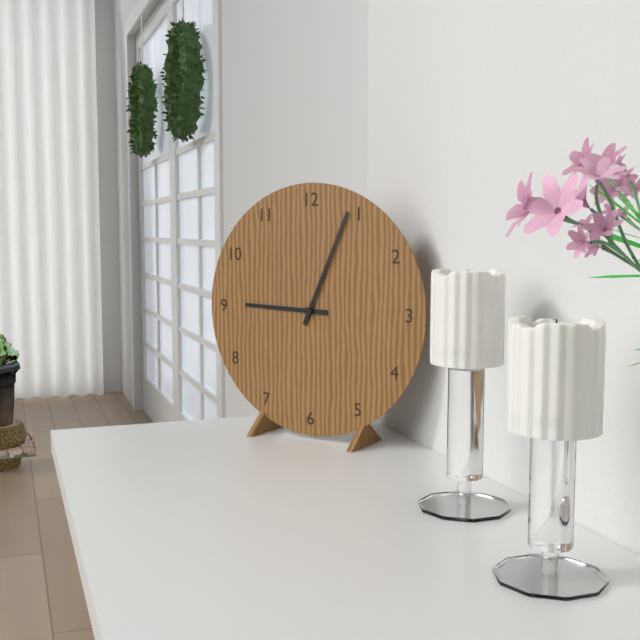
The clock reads {"hour": 9, "minute": 4}
